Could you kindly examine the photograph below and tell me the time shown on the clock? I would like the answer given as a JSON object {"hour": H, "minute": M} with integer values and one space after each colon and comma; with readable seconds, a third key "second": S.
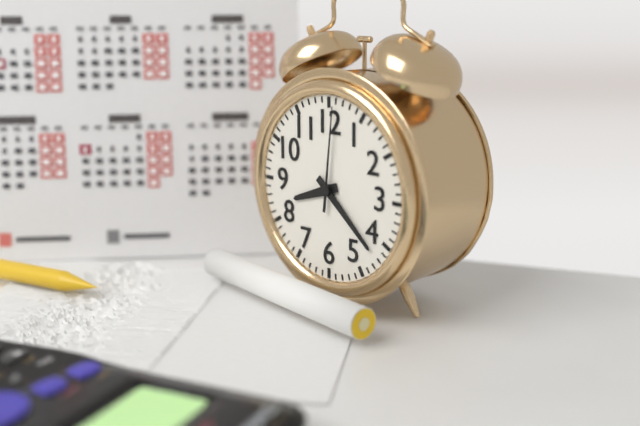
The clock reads {"hour": 8, "minute": 22, "second": 1}
